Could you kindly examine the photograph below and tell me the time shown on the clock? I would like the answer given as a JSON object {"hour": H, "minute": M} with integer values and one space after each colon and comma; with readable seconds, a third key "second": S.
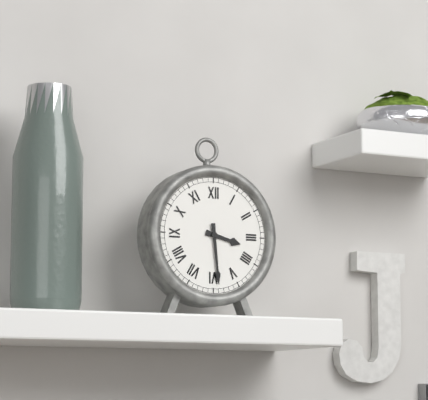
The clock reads {"hour": 3, "minute": 29}
